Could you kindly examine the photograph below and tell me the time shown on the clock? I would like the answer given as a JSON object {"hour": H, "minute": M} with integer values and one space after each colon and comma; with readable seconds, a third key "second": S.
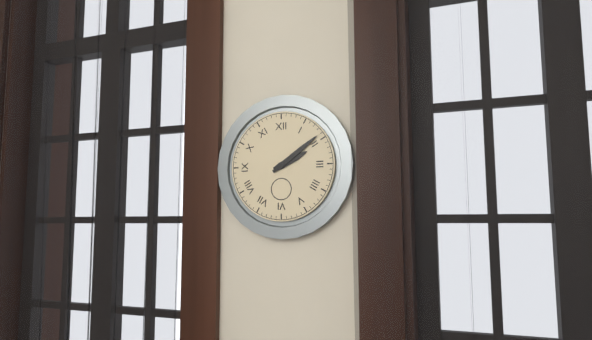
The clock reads {"hour": 2, "minute": 9}
